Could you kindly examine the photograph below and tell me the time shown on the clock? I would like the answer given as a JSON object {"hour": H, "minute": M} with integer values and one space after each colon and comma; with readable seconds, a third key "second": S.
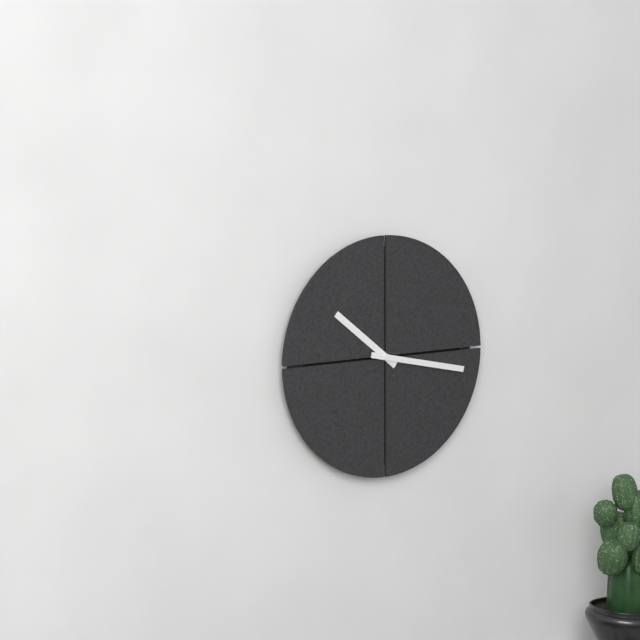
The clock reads {"hour": 10, "minute": 17}
